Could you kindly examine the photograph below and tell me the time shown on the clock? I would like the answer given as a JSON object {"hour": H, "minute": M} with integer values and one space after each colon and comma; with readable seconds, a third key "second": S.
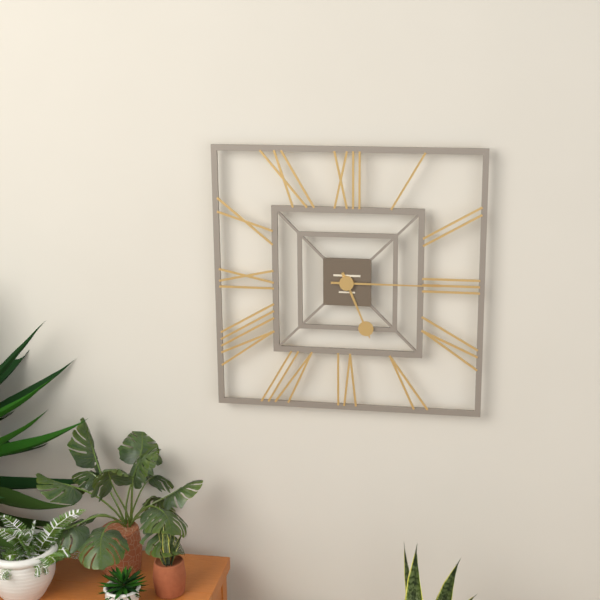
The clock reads {"hour": 5, "minute": 15}
